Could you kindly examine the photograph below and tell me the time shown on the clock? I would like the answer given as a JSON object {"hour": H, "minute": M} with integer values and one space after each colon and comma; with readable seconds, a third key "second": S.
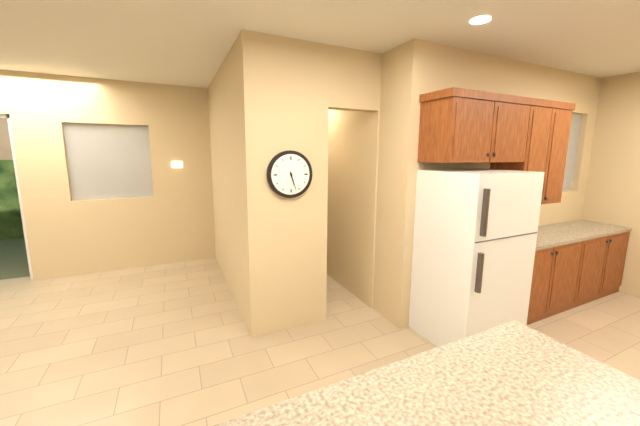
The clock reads {"hour": 5, "minute": 27}
